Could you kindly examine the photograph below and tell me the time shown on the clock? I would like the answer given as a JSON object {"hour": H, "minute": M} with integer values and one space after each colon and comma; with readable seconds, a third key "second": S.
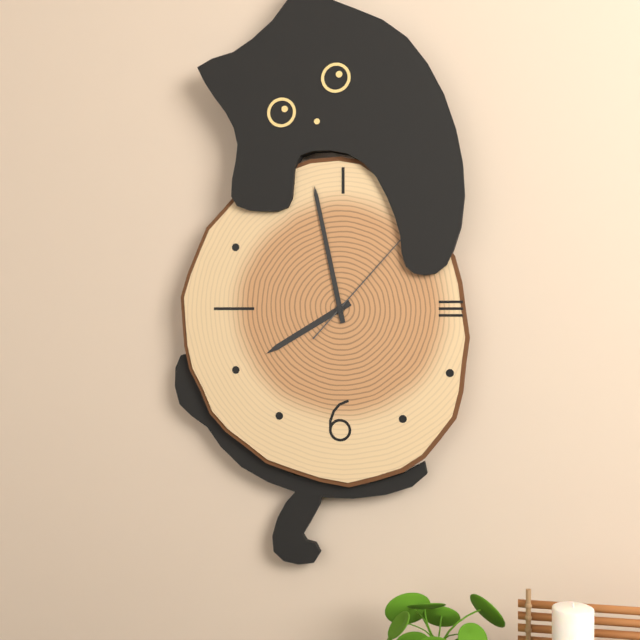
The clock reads {"hour": 7, "minute": 58, "second": 7}
